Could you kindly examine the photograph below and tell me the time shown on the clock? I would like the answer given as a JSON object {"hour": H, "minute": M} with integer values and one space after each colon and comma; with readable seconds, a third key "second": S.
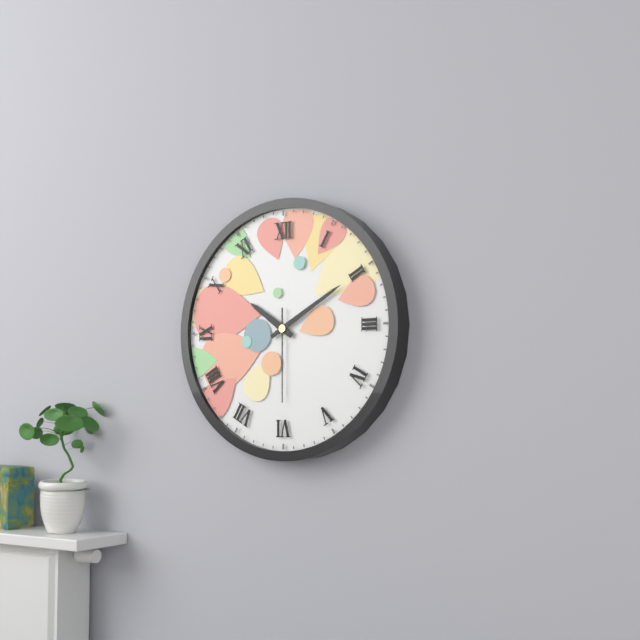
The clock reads {"hour": 10, "minute": 10, "second": 30}
